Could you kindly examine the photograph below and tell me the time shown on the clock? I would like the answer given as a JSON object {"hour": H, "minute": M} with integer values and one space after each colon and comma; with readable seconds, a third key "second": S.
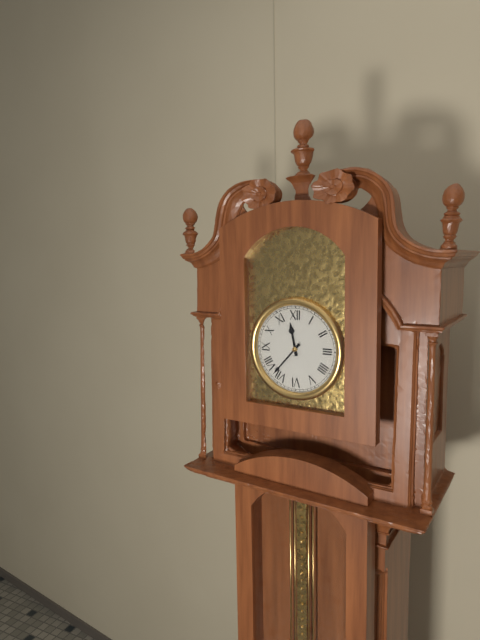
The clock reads {"hour": 11, "minute": 37}
